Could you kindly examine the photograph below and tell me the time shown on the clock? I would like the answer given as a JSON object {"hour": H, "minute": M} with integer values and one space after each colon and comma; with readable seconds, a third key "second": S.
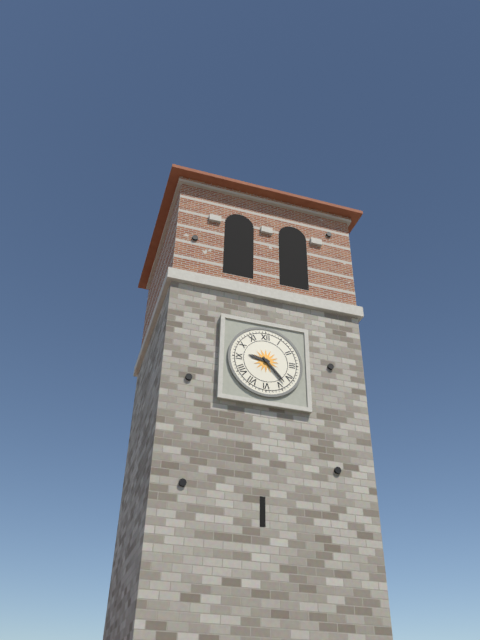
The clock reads {"hour": 9, "minute": 23}
